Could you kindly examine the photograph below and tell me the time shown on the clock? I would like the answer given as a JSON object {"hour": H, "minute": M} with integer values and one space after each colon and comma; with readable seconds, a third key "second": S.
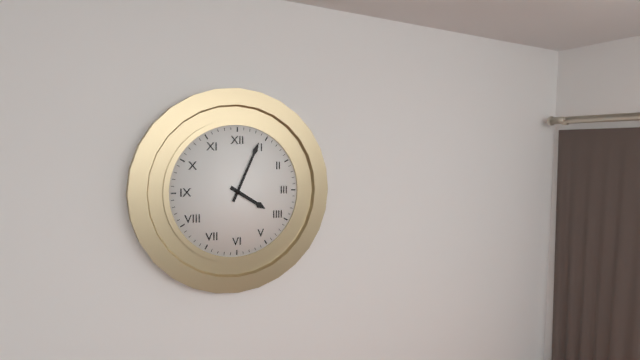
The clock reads {"hour": 4, "minute": 4}
